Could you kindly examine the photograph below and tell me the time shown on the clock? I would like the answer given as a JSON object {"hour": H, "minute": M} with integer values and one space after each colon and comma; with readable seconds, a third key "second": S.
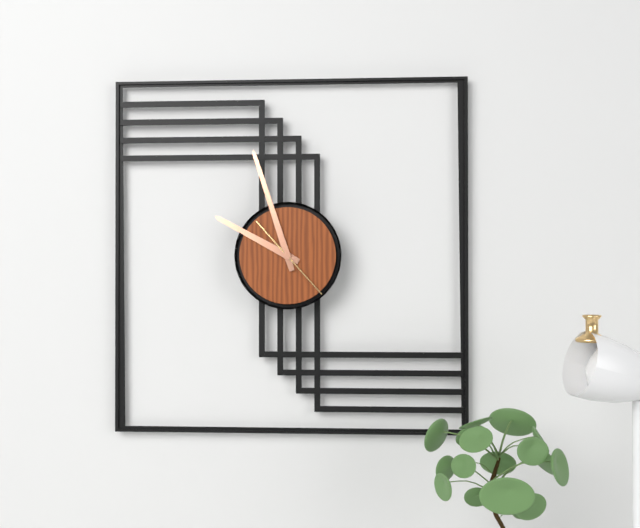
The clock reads {"hour": 9, "minute": 57, "second": 23}
